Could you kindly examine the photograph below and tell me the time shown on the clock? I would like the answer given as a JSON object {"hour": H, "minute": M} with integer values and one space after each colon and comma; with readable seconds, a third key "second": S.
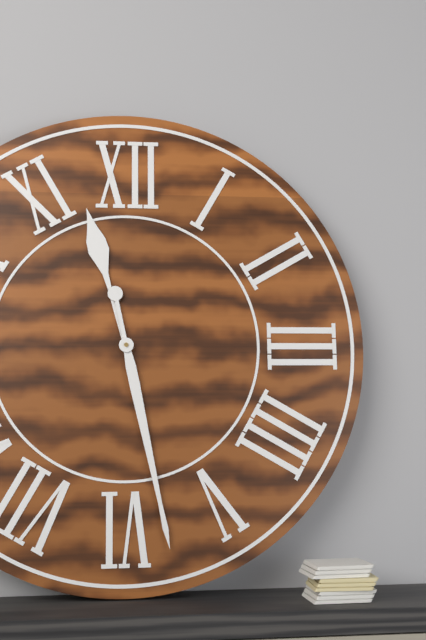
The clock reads {"hour": 11, "minute": 28}
